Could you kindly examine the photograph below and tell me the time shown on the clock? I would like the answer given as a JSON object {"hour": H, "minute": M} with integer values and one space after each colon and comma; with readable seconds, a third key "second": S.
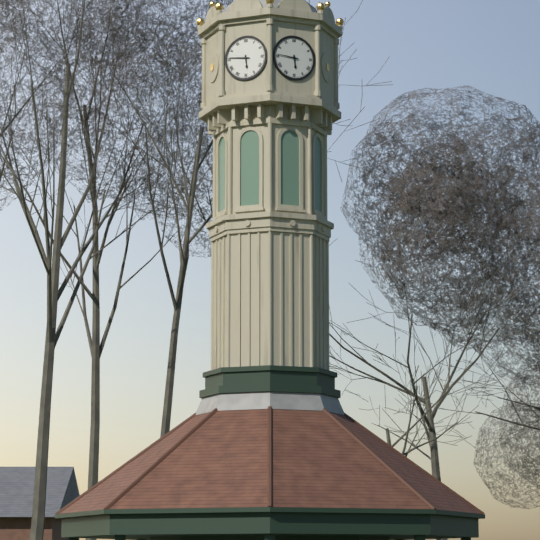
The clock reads {"hour": 5, "minute": 46}
